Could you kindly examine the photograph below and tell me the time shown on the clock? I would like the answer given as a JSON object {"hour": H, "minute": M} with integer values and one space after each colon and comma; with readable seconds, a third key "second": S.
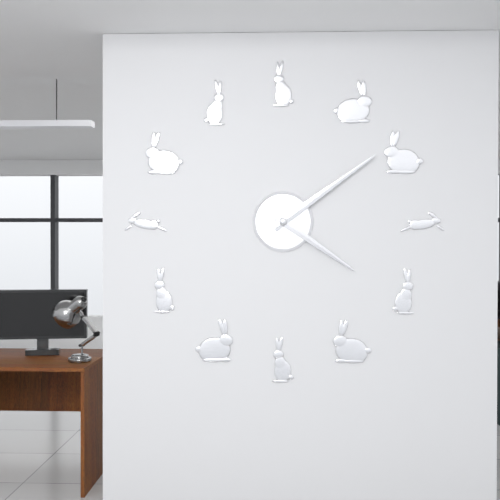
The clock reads {"hour": 4, "minute": 9}
